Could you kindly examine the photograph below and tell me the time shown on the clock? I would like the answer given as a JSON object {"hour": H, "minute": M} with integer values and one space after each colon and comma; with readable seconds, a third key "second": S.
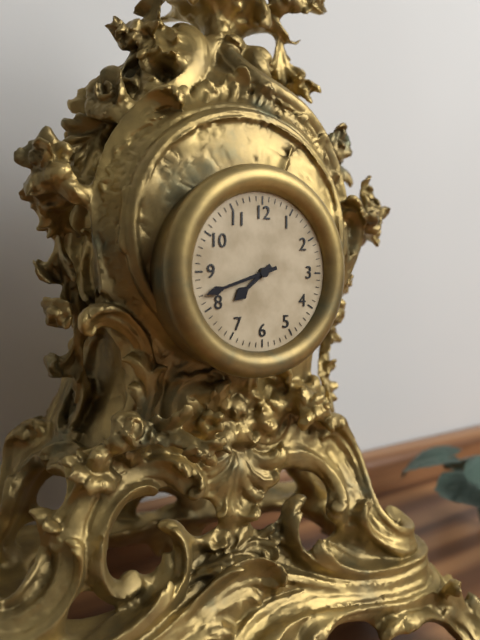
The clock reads {"hour": 7, "minute": 42}
